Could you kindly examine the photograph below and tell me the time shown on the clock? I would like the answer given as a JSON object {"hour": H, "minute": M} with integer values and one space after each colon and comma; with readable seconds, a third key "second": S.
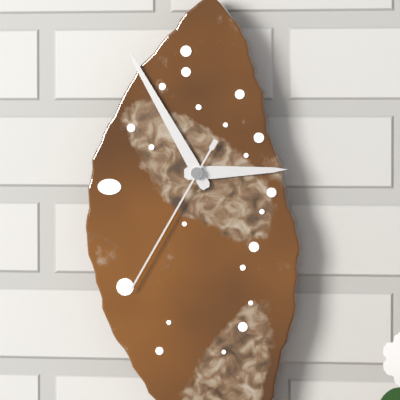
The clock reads {"hour": 2, "minute": 55, "second": 35}
